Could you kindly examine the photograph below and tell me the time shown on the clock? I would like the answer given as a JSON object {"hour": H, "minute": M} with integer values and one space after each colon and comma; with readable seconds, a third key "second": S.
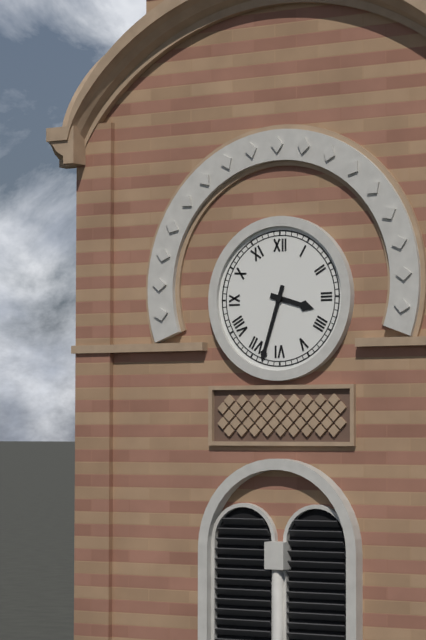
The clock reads {"hour": 3, "minute": 33}
